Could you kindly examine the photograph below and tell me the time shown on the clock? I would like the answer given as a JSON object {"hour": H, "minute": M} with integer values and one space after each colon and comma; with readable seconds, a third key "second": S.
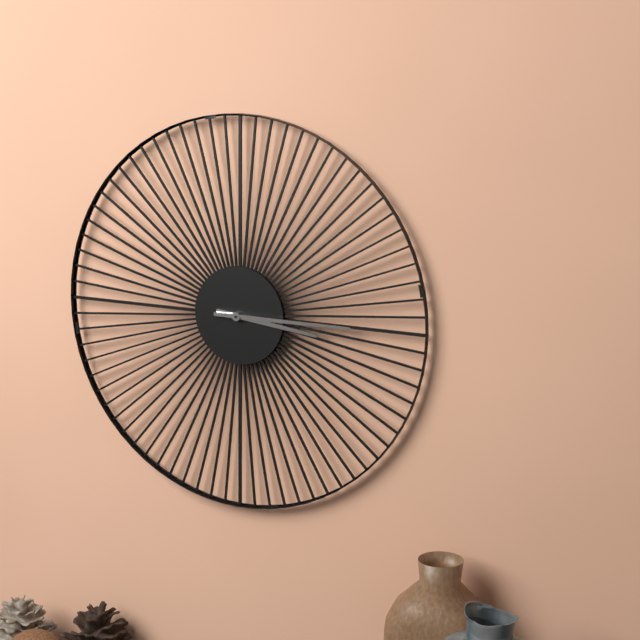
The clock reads {"hour": 3, "minute": 15}
